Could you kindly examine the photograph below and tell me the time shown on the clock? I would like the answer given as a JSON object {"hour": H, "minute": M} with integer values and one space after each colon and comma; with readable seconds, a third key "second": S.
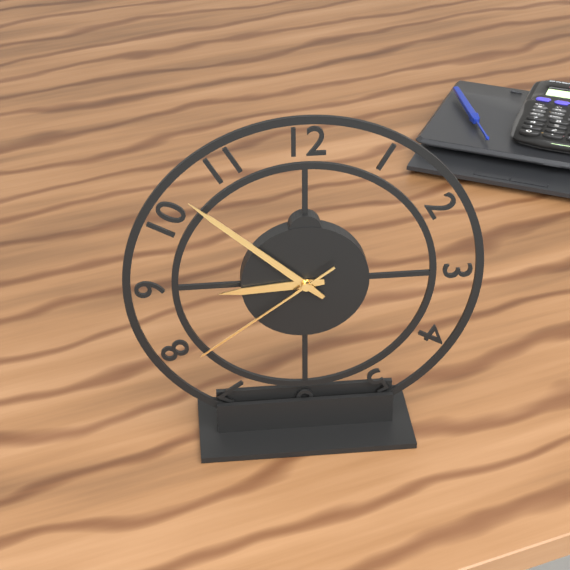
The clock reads {"hour": 8, "minute": 52, "second": 39}
